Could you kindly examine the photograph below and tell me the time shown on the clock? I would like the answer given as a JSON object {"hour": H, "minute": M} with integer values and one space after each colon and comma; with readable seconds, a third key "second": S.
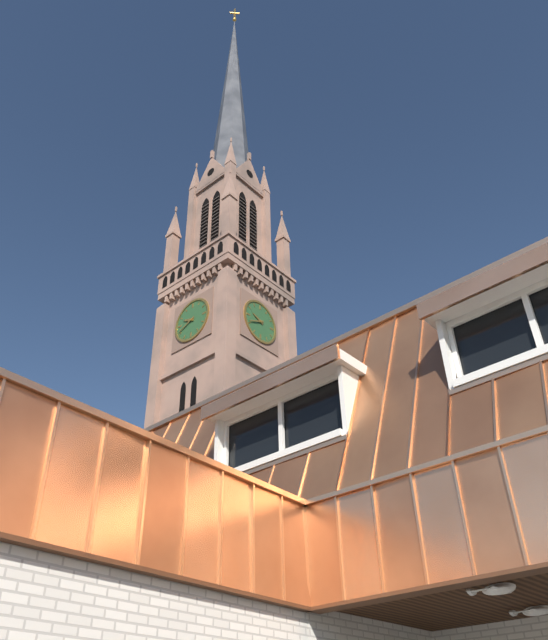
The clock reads {"hour": 9, "minute": 41}
